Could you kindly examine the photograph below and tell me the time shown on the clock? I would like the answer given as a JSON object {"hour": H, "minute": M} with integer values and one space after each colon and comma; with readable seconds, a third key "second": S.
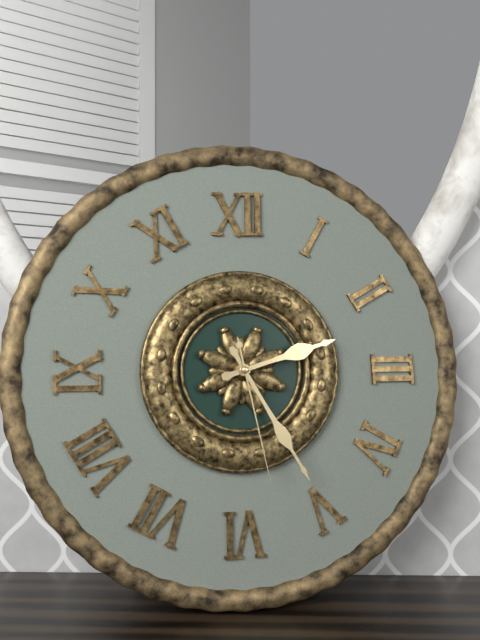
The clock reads {"hour": 2, "minute": 25, "second": 28}
